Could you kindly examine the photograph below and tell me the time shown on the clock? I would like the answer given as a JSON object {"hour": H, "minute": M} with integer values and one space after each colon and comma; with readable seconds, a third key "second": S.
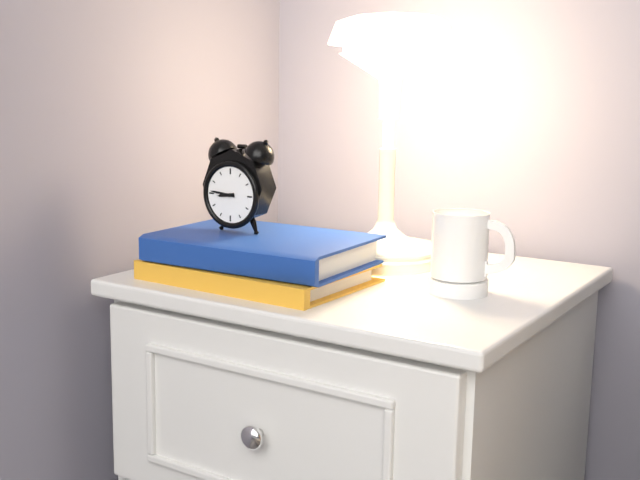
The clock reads {"hour": 8, "minute": 46}
